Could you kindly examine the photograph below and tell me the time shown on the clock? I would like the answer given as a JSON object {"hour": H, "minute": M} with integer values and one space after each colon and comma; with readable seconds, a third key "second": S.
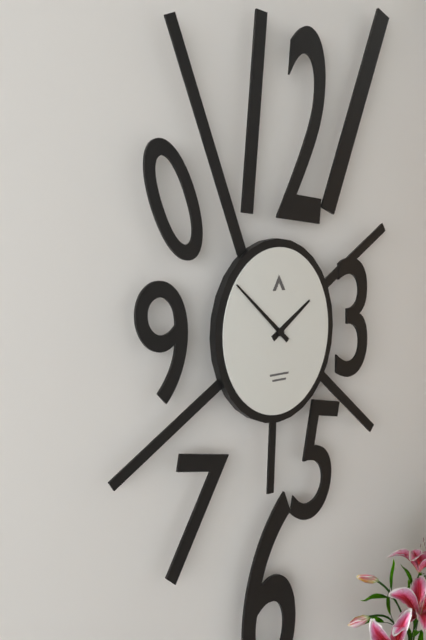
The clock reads {"hour": 1, "minute": 52}
